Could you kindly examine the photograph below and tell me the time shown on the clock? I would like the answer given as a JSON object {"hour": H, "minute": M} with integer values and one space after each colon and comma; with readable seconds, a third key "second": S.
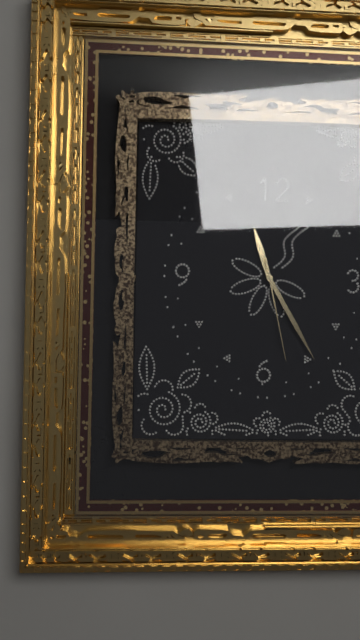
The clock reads {"hour": 11, "minute": 25, "second": 28}
